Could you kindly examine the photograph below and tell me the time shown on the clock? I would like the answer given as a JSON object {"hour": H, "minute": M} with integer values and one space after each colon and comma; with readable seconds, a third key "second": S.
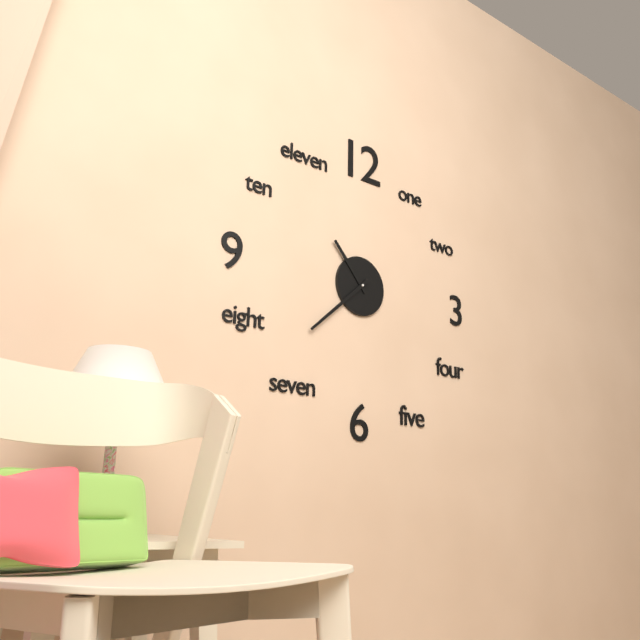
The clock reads {"hour": 10, "minute": 38}
